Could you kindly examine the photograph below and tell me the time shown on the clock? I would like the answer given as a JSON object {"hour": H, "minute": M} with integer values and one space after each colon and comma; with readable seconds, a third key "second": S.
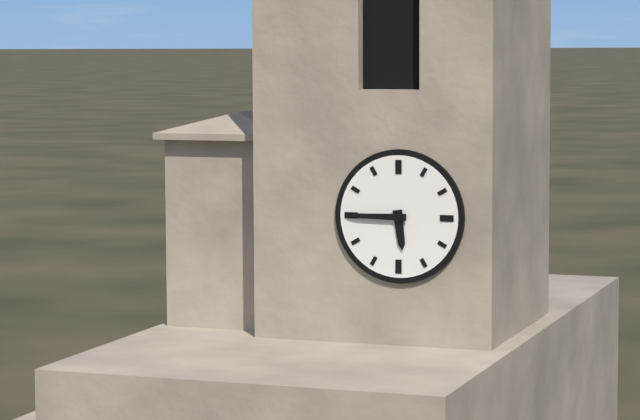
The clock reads {"hour": 5, "minute": 45}
